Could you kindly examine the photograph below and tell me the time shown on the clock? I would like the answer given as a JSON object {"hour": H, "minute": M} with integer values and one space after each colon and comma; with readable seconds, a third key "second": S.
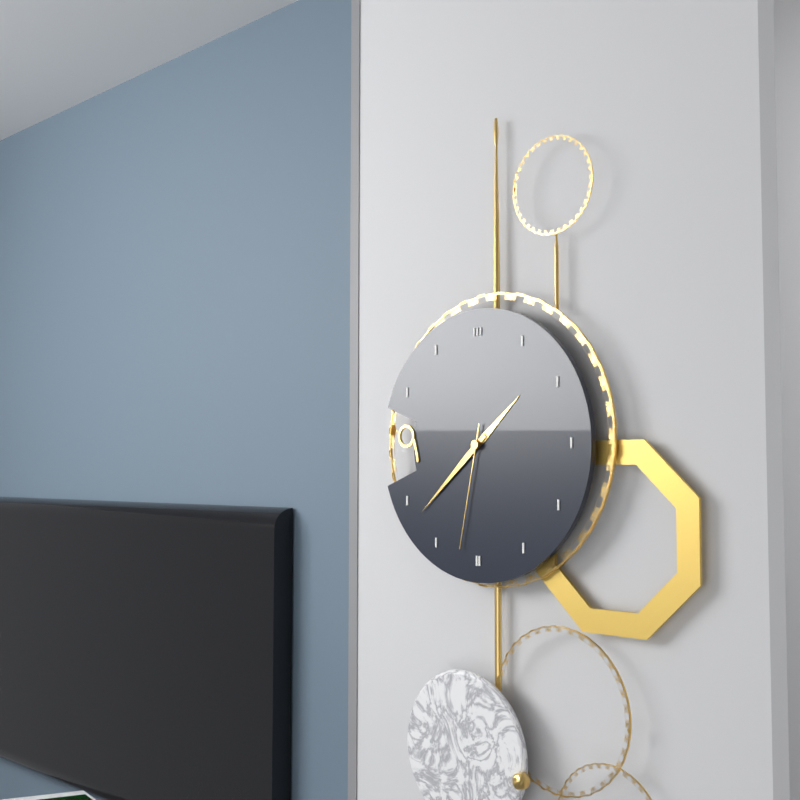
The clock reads {"hour": 1, "minute": 38, "second": 32}
